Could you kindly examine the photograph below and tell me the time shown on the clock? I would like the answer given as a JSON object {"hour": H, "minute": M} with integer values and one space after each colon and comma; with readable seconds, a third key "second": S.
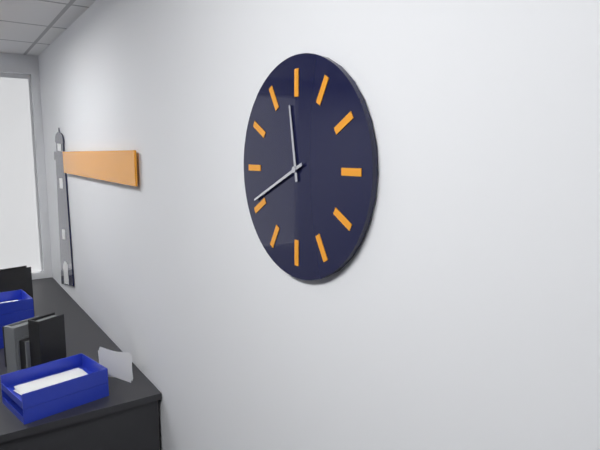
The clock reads {"hour": 11, "minute": 41}
